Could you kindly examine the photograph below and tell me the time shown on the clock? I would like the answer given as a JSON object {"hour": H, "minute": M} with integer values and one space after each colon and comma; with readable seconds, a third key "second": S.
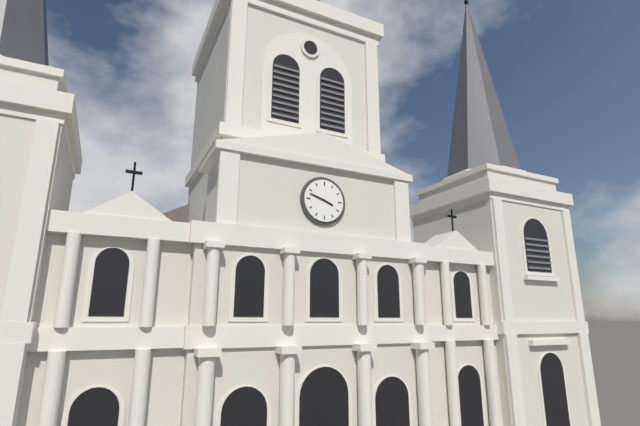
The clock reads {"hour": 3, "minute": 48}
